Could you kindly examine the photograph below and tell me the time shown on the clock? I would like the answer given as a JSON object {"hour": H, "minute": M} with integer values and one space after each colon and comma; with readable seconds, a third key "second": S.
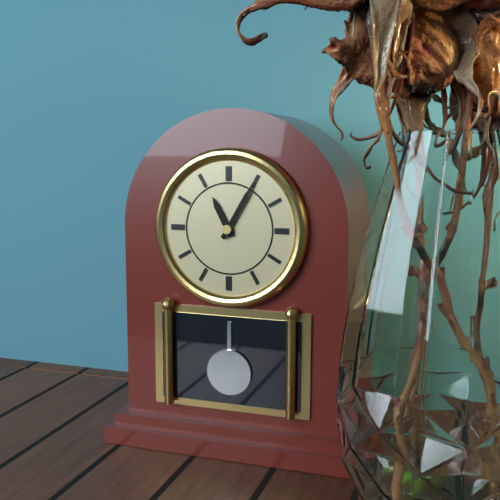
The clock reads {"hour": 11, "minute": 5}
